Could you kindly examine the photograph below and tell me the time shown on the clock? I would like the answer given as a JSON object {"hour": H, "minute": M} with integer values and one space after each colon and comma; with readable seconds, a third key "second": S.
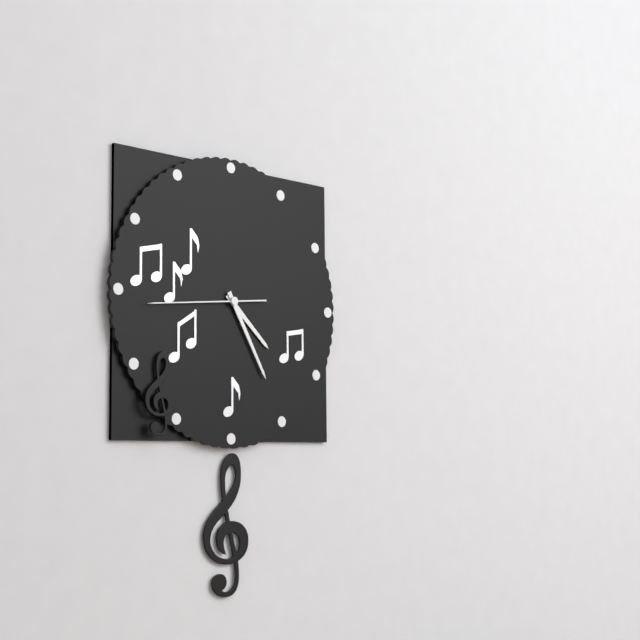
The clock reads {"hour": 4, "minute": 25, "second": 44}
